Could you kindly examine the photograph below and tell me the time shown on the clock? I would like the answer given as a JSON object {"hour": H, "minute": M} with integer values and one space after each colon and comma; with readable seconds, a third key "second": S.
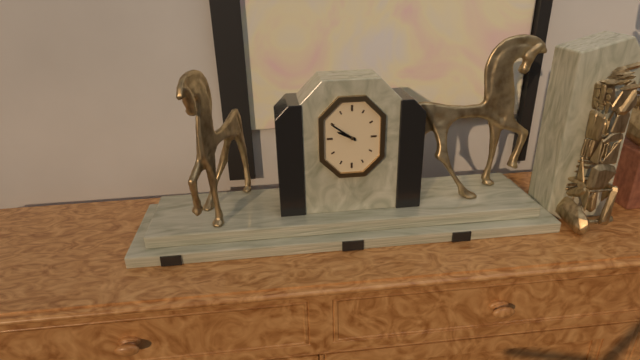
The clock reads {"hour": 9, "minute": 51}
